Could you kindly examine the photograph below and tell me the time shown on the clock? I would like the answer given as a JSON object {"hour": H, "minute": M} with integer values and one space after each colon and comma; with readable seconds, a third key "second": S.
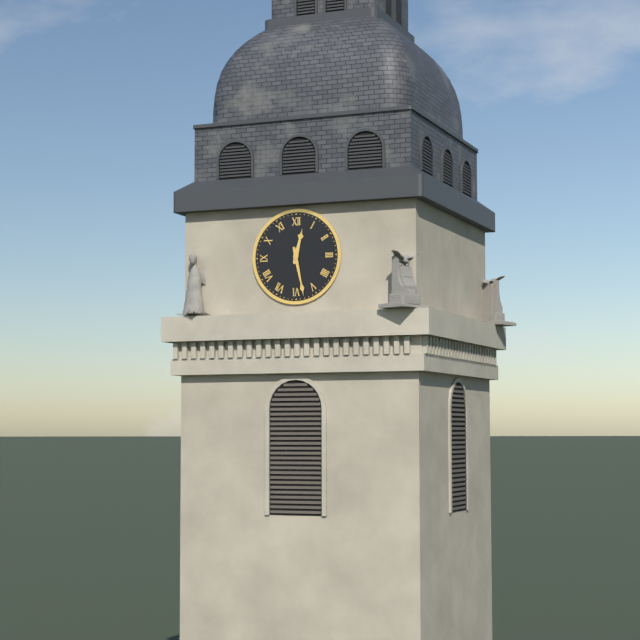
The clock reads {"hour": 12, "minute": 28}
